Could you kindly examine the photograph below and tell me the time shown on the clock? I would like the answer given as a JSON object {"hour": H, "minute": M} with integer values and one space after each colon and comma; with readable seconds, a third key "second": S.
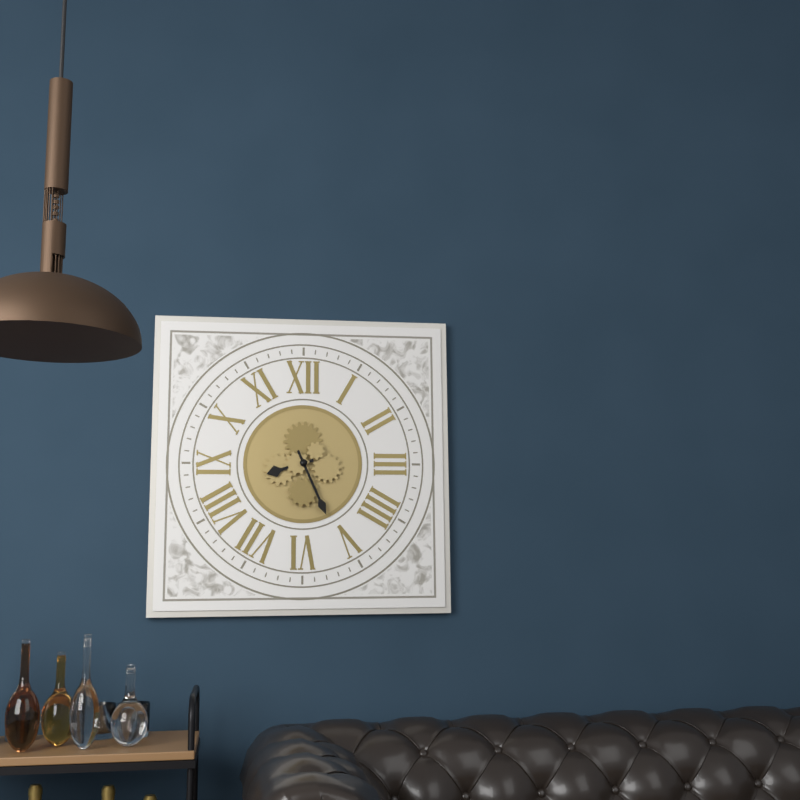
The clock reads {"hour": 8, "minute": 26}
